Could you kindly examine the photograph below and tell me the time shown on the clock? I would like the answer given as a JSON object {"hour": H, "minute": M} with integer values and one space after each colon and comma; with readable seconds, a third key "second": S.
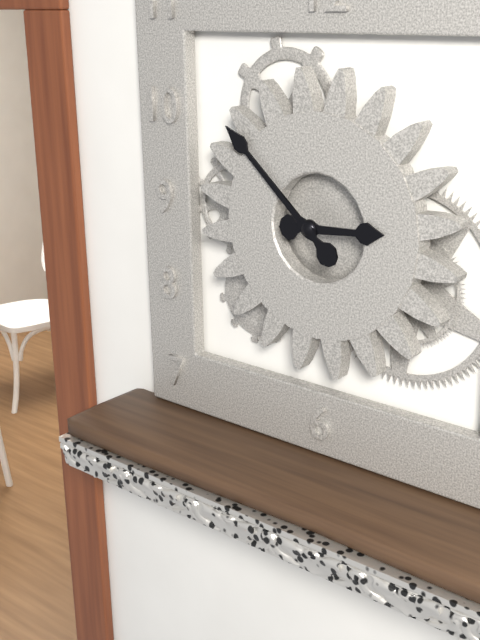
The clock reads {"hour": 2, "minute": 52}
